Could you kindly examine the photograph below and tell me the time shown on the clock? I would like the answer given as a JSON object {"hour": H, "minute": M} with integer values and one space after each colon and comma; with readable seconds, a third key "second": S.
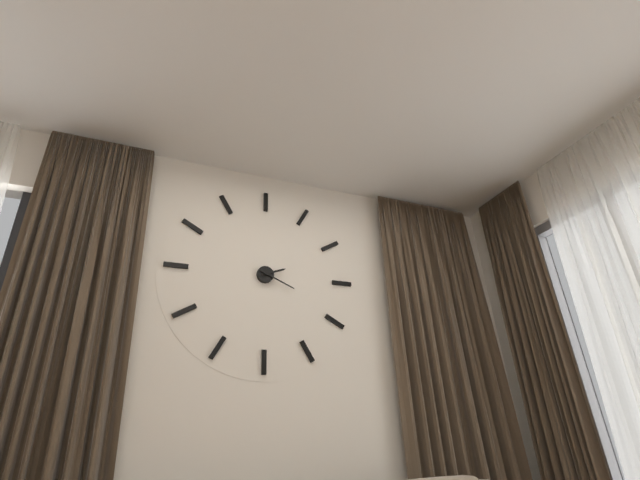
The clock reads {"hour": 2, "minute": 19}
